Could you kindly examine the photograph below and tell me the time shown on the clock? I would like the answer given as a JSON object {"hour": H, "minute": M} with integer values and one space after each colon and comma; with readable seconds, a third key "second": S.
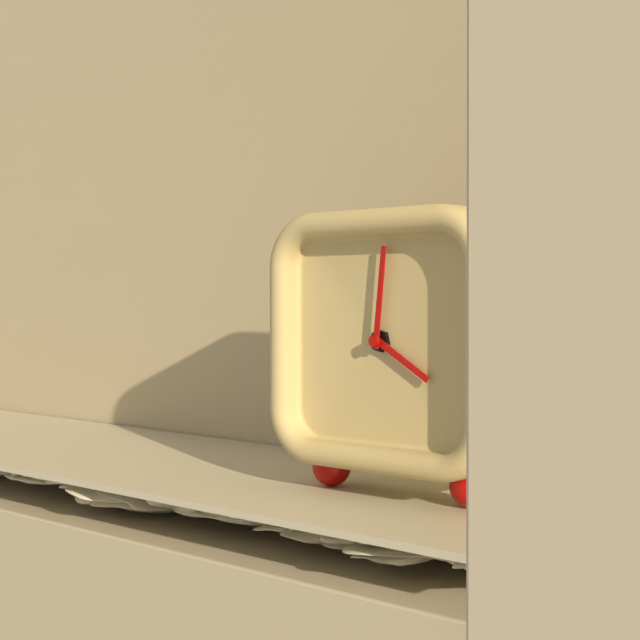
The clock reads {"hour": 4, "minute": 1}
